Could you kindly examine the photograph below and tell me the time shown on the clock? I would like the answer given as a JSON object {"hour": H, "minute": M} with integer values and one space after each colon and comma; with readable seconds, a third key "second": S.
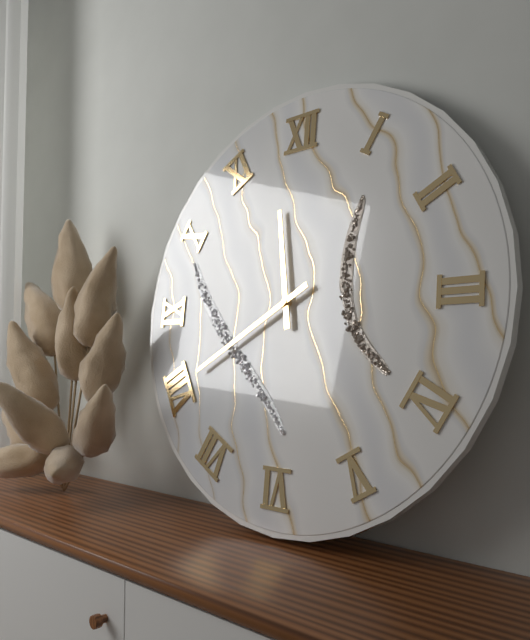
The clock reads {"hour": 11, "minute": 40}
